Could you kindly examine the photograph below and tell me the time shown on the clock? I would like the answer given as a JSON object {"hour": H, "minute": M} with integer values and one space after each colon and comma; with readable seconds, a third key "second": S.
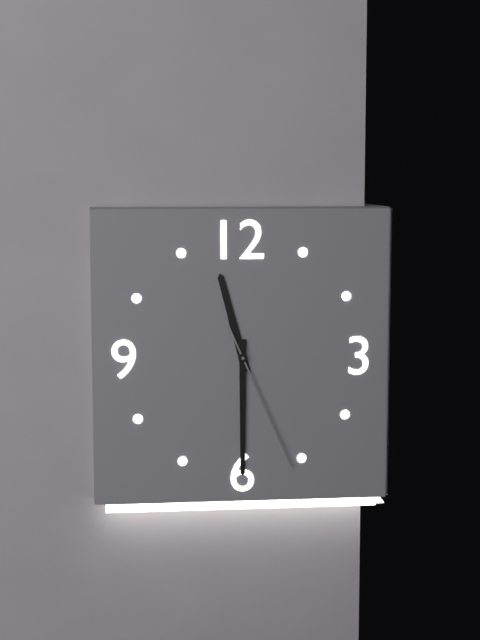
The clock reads {"hour": 11, "minute": 30, "second": 26}
